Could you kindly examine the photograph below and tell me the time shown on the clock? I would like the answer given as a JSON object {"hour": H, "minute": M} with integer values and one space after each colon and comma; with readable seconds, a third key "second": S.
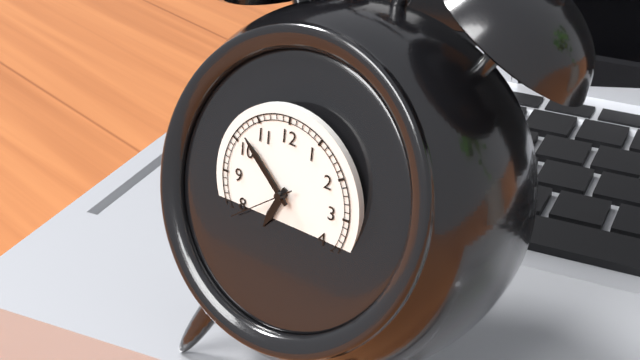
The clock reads {"hour": 6, "minute": 52, "second": 39}
